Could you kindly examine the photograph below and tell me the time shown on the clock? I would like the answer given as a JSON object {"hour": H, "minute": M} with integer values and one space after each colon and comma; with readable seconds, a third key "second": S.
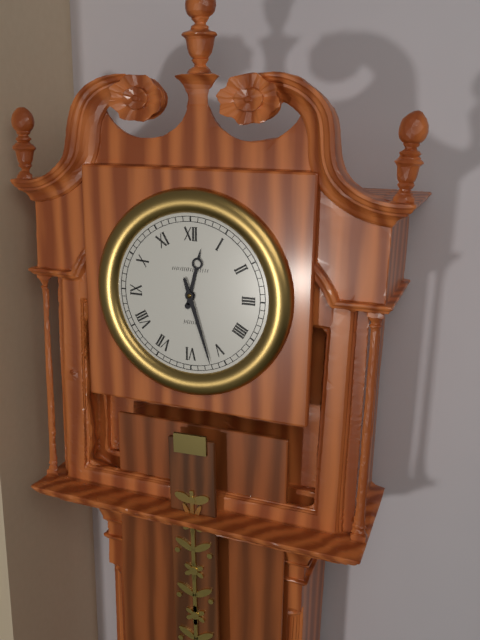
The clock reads {"hour": 12, "minute": 27}
